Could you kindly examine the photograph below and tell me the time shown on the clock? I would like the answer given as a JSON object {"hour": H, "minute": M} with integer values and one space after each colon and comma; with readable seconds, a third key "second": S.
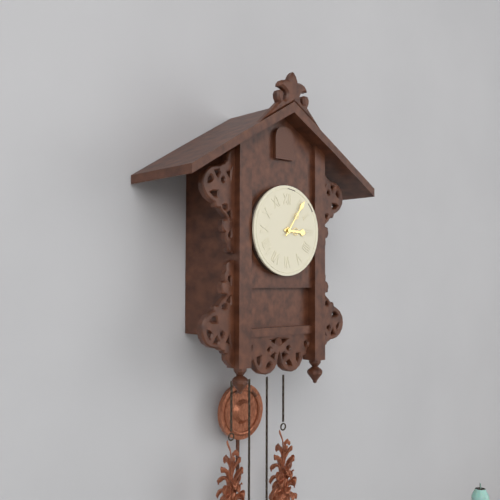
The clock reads {"hour": 3, "minute": 6}
